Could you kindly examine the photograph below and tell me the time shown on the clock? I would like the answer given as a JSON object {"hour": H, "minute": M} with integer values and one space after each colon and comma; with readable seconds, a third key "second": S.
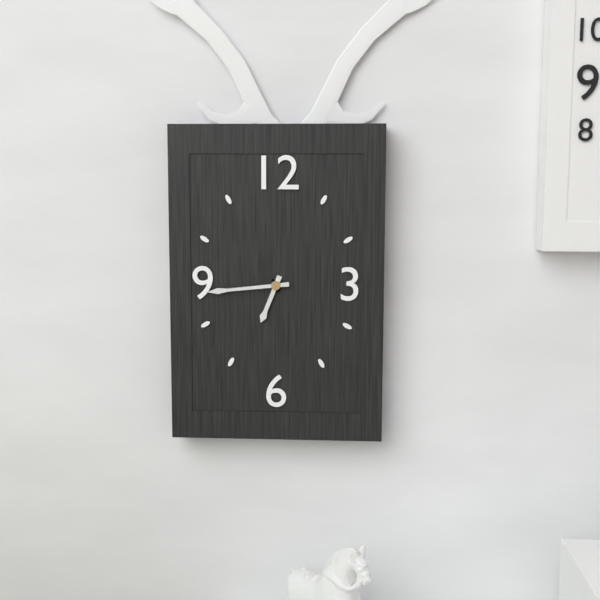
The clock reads {"hour": 6, "minute": 44}
